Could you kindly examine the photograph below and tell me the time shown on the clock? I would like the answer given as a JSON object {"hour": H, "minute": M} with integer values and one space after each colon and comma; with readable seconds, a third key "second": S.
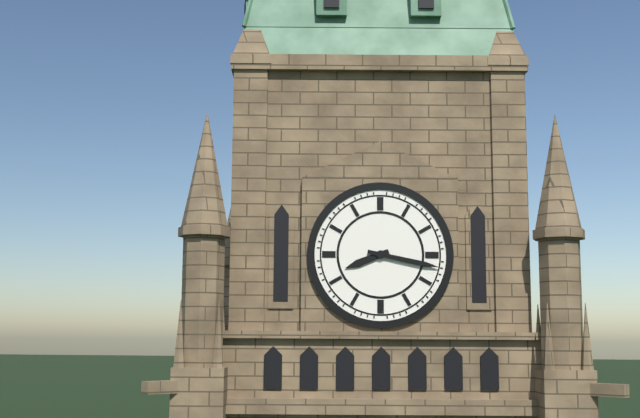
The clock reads {"hour": 8, "minute": 17}
